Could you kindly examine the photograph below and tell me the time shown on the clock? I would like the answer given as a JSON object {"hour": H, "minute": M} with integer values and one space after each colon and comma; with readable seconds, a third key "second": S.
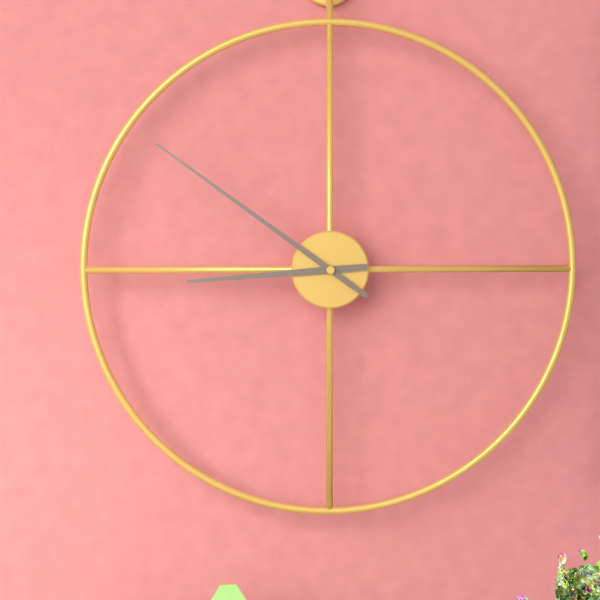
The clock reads {"hour": 8, "minute": 51}
